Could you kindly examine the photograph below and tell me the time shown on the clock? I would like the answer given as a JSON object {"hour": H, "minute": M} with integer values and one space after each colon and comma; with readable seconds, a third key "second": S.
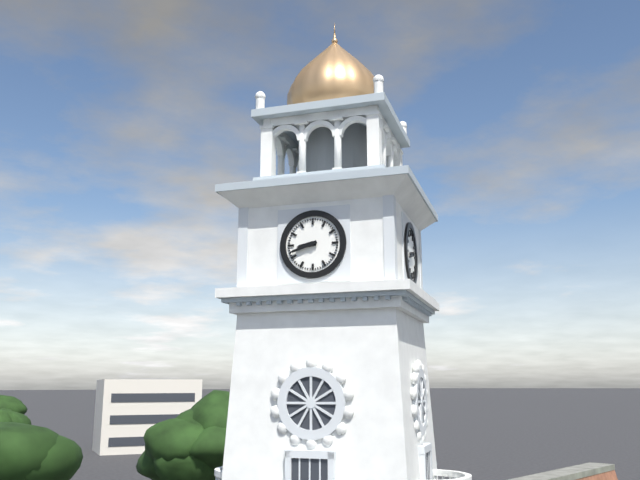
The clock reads {"hour": 8, "minute": 42}
